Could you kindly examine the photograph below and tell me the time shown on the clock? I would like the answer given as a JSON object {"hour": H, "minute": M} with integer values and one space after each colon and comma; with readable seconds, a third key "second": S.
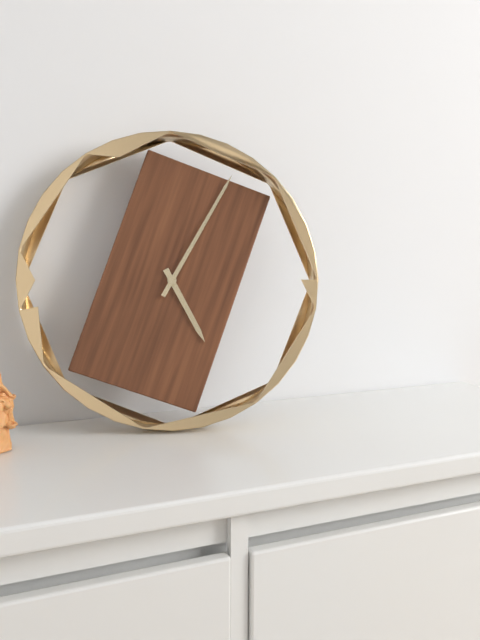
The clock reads {"hour": 5, "minute": 5}
